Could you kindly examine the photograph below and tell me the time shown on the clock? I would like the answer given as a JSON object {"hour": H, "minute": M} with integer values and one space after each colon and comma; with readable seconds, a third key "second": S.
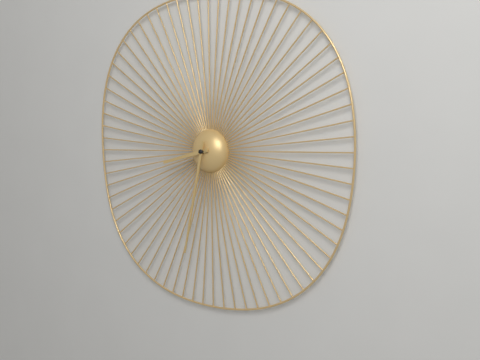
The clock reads {"hour": 8, "minute": 32}
